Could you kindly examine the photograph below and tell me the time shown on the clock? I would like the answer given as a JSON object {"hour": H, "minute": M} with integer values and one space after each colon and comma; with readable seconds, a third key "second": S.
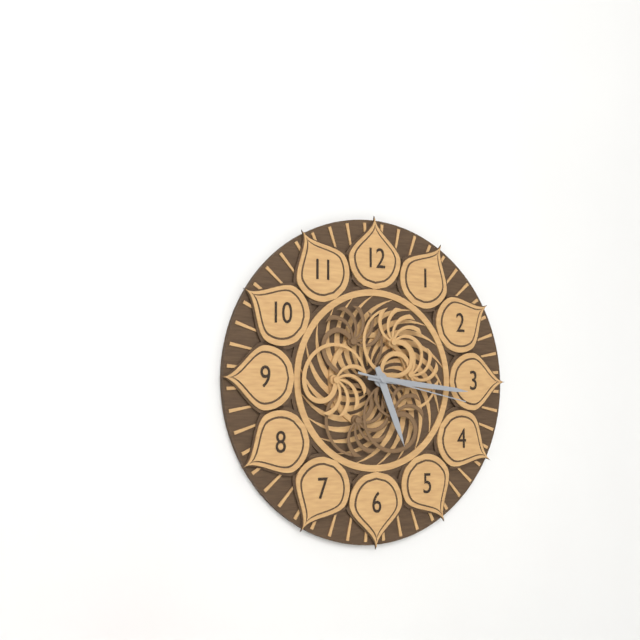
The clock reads {"hour": 5, "minute": 16, "second": 17}
